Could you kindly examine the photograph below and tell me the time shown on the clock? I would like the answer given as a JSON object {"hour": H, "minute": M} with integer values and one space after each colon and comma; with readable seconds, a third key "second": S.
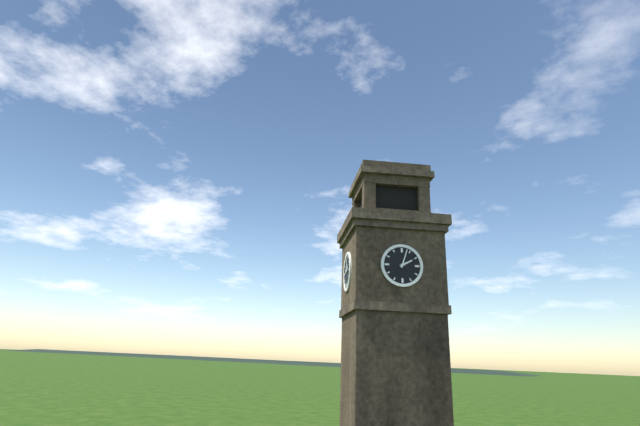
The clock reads {"hour": 2, "minute": 3}
